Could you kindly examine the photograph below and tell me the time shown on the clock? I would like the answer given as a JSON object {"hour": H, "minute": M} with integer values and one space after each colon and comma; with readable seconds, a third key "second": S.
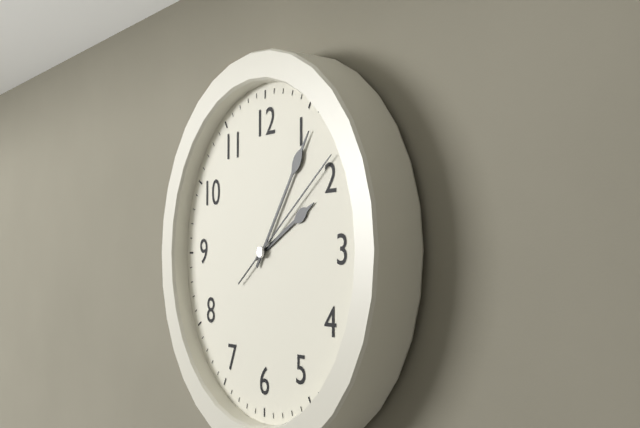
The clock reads {"hour": 2, "minute": 6, "second": 9}
